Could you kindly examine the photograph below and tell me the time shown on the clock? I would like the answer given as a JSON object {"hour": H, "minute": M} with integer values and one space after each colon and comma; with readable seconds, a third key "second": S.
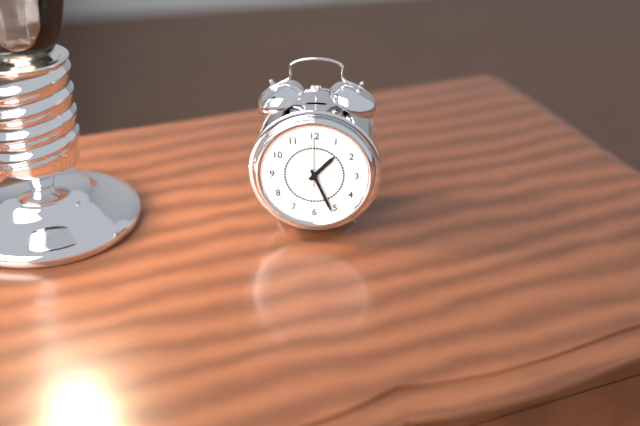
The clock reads {"hour": 1, "minute": 26, "second": 0}
